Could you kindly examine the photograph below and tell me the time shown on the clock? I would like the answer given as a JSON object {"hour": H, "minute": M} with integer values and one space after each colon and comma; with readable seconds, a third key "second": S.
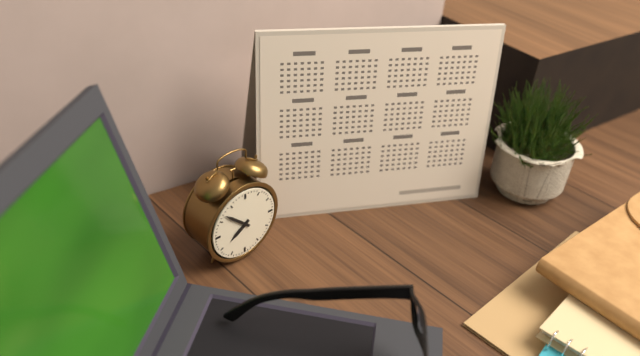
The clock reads {"hour": 7, "minute": 52}
